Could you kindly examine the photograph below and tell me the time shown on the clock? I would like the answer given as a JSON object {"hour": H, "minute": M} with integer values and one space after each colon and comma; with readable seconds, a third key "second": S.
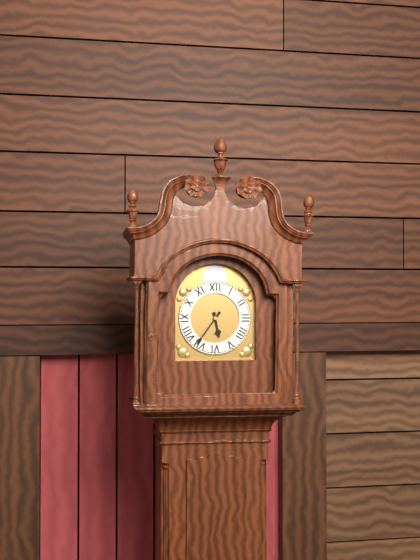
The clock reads {"hour": 5, "minute": 36}
